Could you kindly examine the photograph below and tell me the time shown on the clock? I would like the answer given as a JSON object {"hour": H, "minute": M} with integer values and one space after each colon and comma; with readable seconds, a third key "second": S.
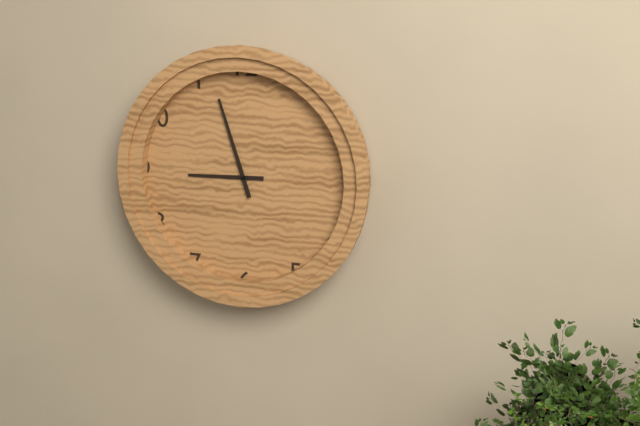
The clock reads {"hour": 8, "minute": 57}
